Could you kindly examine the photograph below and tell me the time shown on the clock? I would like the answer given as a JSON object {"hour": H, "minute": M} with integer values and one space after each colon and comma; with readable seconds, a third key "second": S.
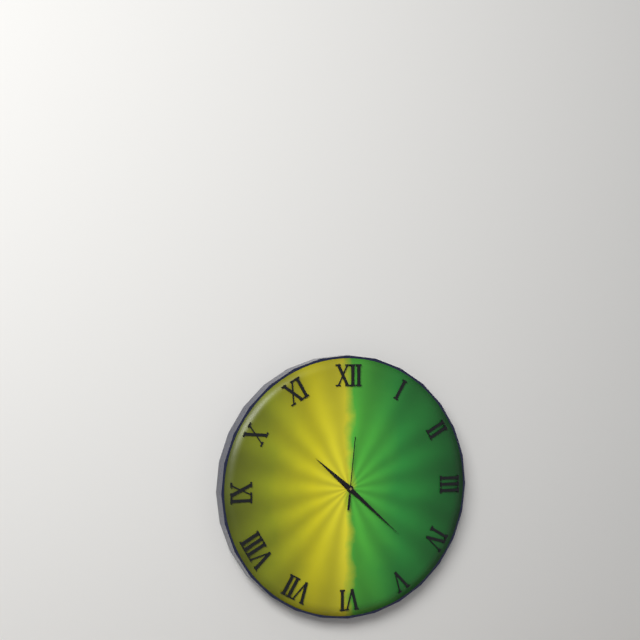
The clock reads {"hour": 10, "minute": 22, "second": 1}
